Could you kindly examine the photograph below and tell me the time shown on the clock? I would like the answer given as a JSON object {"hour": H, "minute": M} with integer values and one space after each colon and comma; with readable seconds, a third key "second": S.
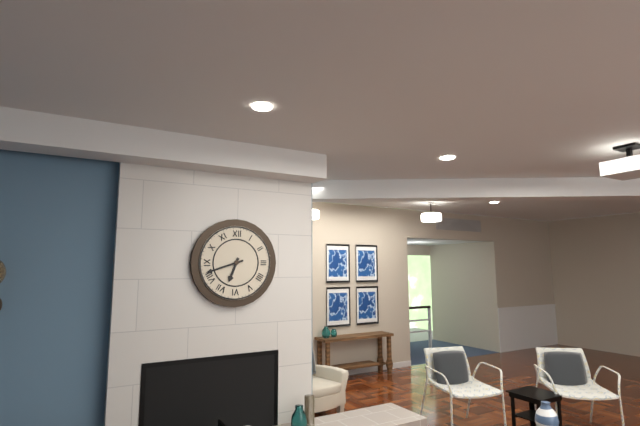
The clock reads {"hour": 6, "minute": 42}
